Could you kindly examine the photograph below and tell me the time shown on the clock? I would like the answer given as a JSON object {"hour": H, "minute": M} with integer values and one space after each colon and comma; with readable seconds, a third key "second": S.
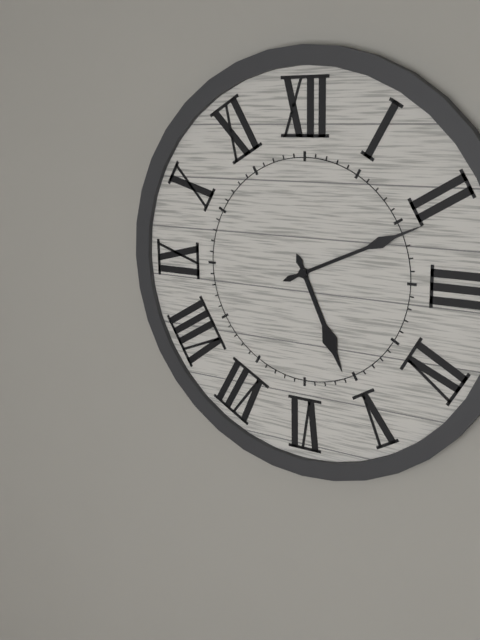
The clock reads {"hour": 5, "minute": 11}
